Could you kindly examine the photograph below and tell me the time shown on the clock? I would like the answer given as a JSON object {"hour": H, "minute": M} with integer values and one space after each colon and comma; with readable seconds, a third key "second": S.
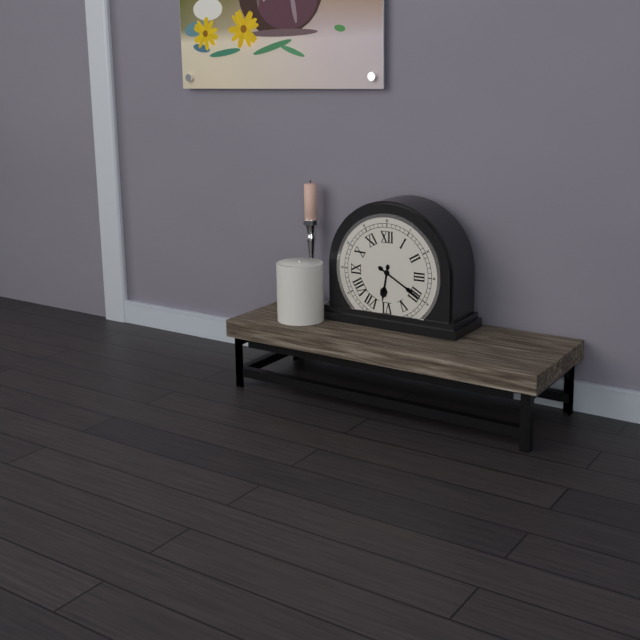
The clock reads {"hour": 6, "minute": 20}
